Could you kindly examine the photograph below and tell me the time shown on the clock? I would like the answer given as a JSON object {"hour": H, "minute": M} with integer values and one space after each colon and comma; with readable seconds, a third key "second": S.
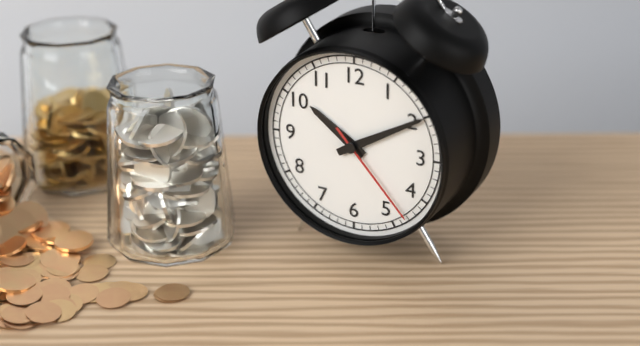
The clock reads {"hour": 10, "minute": 10, "second": 23}
